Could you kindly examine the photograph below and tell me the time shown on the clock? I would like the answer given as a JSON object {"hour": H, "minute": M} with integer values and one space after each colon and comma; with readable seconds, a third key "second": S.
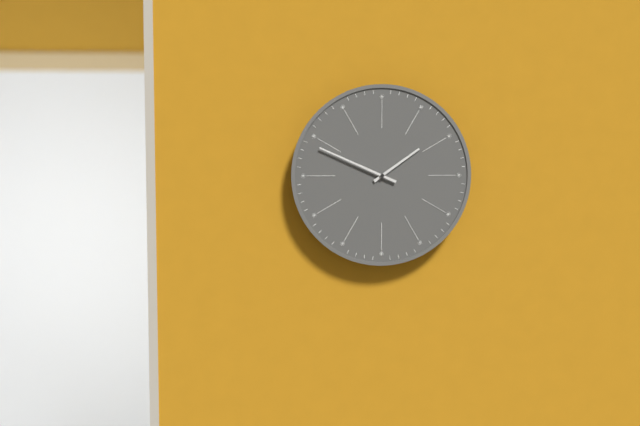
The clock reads {"hour": 1, "minute": 49}
